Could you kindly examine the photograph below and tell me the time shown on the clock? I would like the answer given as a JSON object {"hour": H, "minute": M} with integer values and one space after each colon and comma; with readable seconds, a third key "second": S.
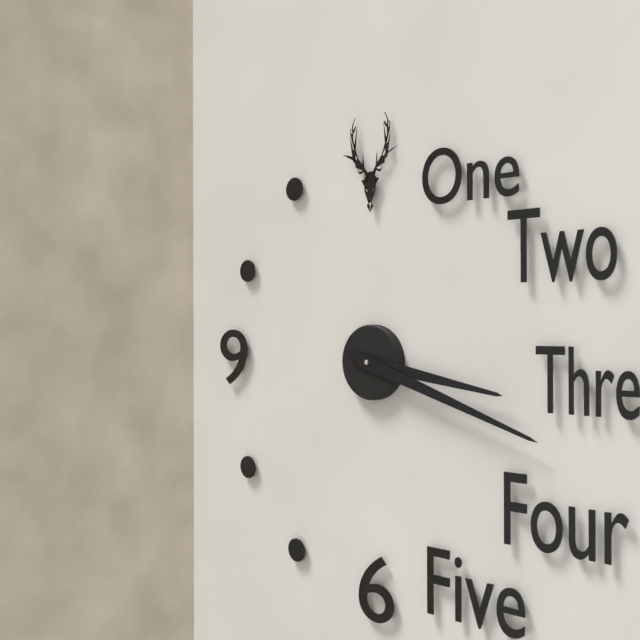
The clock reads {"hour": 3, "minute": 18}
